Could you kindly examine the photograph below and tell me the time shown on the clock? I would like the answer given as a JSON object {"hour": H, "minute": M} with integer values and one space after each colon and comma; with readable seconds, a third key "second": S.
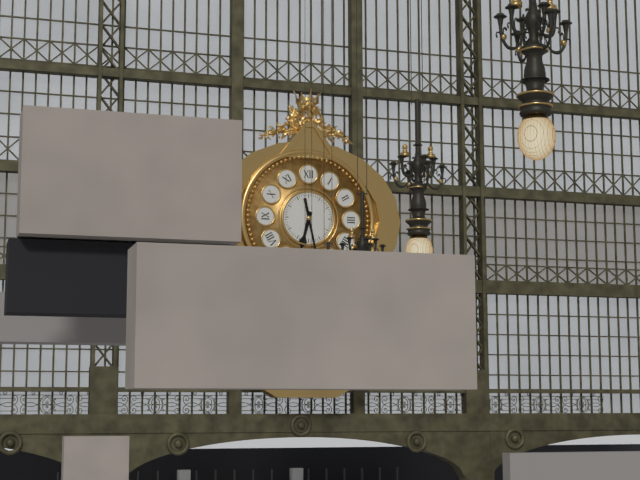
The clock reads {"hour": 6, "minute": 28}
